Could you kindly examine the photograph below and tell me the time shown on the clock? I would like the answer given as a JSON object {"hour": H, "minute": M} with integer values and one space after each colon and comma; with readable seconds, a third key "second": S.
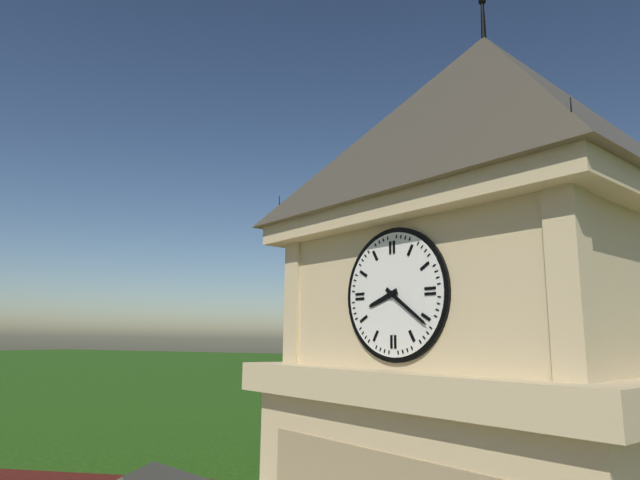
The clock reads {"hour": 8, "minute": 21}
